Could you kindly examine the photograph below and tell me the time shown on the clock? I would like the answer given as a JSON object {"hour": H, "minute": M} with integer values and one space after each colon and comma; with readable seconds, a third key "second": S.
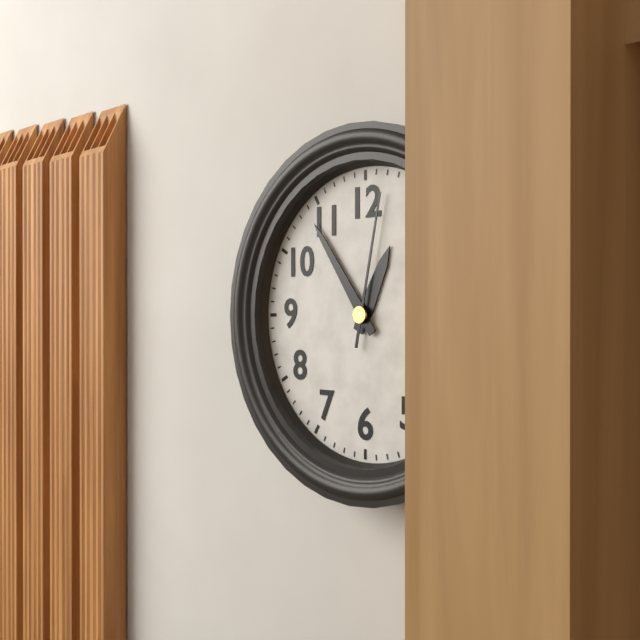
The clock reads {"hour": 12, "minute": 54, "second": 2}
